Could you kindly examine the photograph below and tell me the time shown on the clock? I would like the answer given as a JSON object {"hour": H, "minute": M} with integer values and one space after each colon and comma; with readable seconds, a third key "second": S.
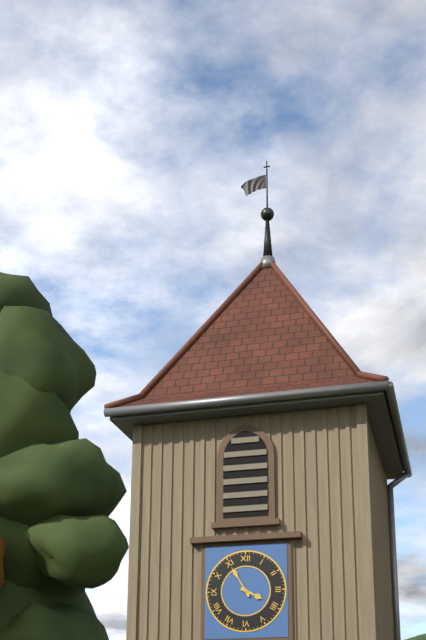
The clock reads {"hour": 3, "minute": 55}
